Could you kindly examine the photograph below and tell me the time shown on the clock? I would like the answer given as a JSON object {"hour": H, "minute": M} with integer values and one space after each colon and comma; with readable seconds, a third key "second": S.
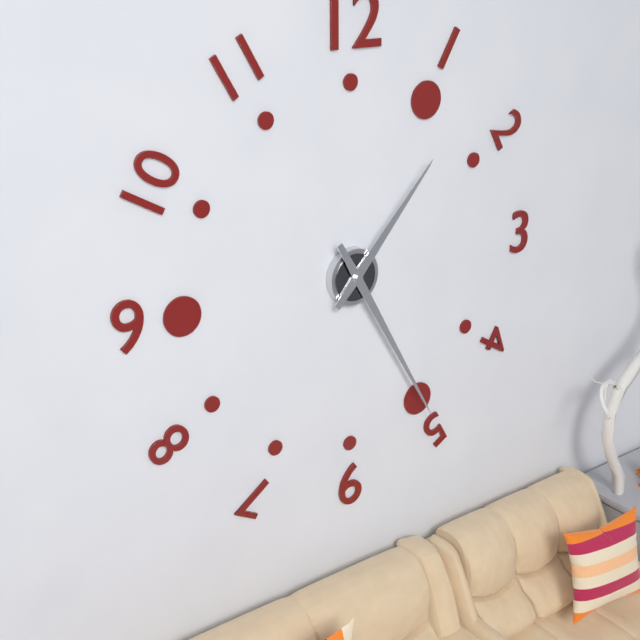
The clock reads {"hour": 1, "minute": 25}
